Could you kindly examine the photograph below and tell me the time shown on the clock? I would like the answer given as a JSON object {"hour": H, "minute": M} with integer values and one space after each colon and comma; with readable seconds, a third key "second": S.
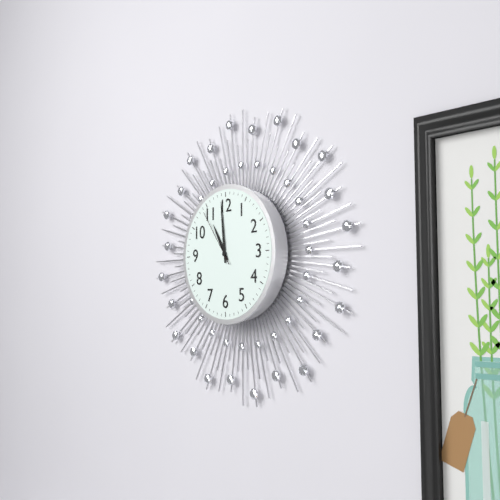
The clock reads {"hour": 10, "minute": 59, "second": 54}
